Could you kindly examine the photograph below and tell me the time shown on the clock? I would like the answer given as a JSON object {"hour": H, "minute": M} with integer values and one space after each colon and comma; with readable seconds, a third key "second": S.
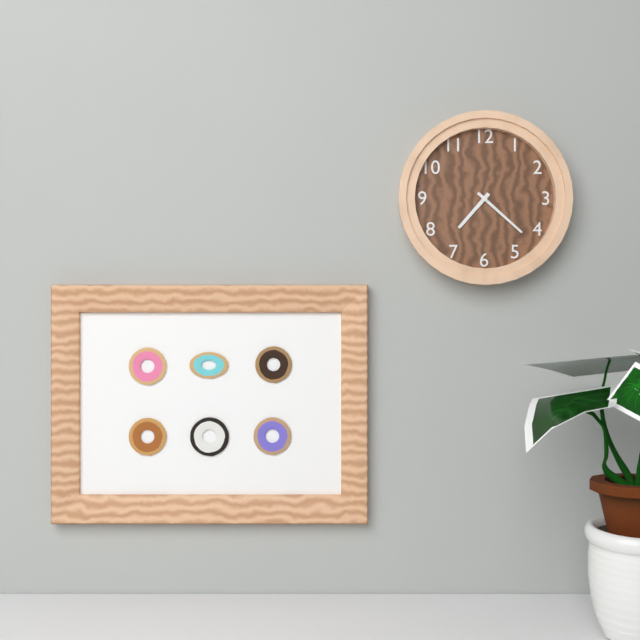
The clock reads {"hour": 7, "minute": 22}
